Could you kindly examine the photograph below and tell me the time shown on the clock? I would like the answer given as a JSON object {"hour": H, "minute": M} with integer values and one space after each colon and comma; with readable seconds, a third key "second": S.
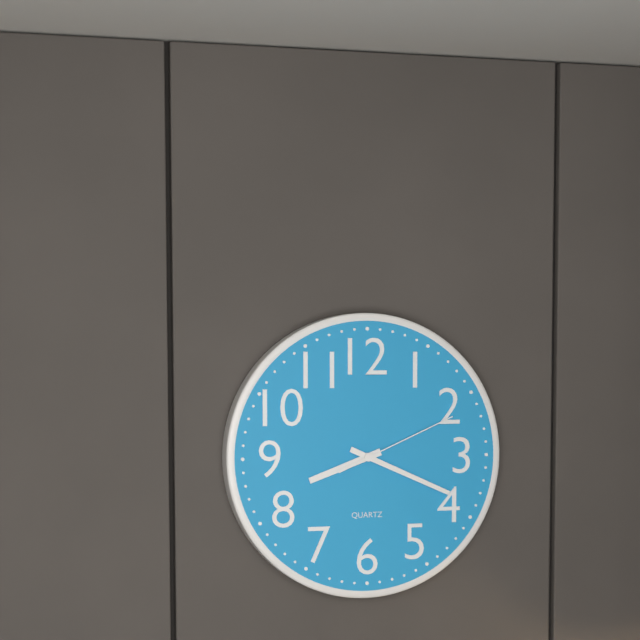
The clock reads {"hour": 8, "minute": 19, "second": 11}
